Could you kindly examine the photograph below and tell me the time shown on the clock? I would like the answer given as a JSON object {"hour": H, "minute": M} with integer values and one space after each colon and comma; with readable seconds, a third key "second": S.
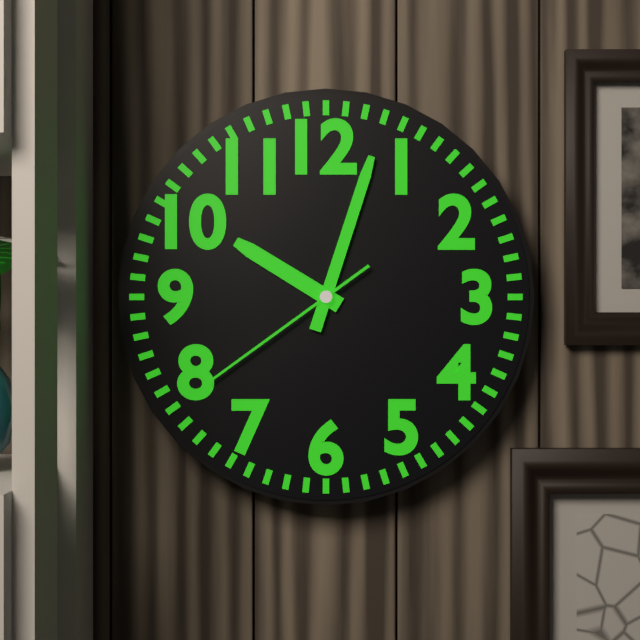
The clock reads {"hour": 10, "minute": 3, "second": 39}
